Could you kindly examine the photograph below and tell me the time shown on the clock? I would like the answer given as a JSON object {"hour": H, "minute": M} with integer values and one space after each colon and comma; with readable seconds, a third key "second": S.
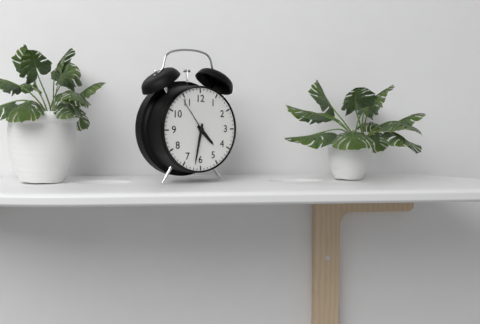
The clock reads {"hour": 4, "minute": 32}
